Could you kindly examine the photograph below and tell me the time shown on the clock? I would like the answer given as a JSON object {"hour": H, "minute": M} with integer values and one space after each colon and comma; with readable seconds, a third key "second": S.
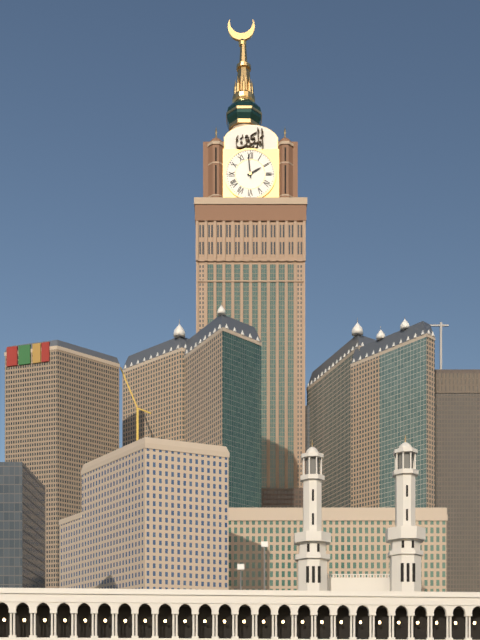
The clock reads {"hour": 1, "minute": 59}
